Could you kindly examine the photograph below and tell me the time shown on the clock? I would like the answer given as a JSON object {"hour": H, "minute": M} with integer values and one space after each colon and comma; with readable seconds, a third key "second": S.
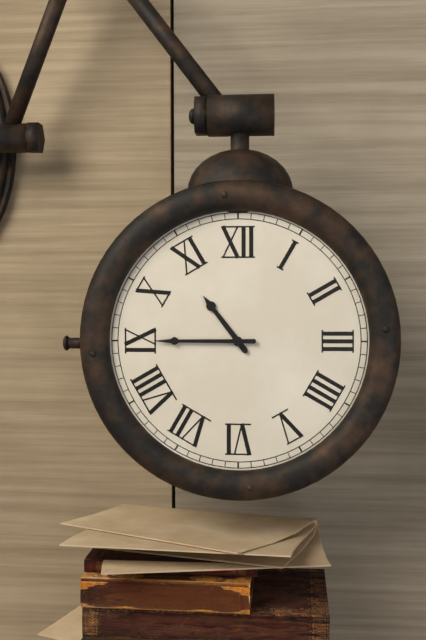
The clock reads {"hour": 10, "minute": 45}
